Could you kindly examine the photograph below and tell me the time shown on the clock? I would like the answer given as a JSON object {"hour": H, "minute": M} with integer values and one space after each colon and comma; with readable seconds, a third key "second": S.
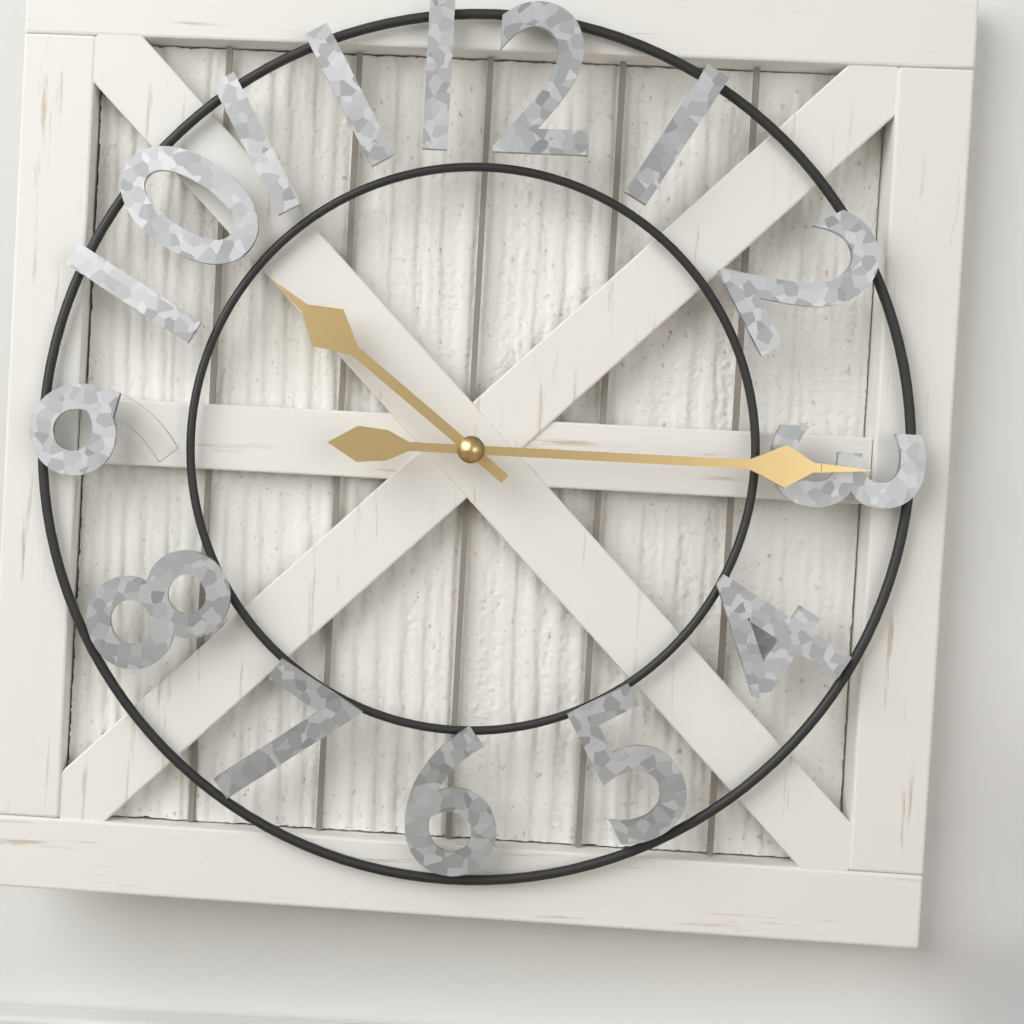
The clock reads {"hour": 10, "minute": 15}
